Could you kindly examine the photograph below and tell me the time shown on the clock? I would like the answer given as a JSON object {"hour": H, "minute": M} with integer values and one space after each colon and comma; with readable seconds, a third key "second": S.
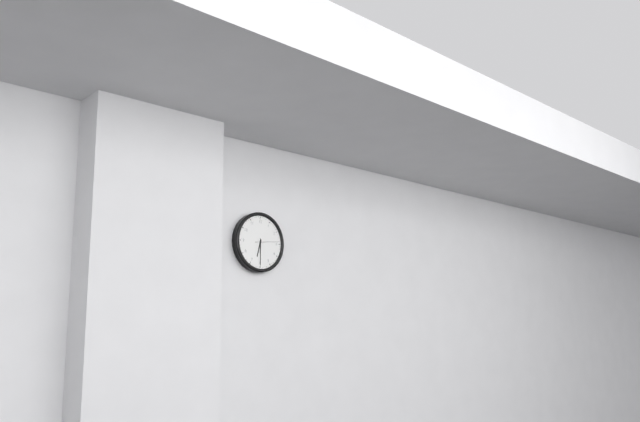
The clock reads {"hour": 6, "minute": 30}
